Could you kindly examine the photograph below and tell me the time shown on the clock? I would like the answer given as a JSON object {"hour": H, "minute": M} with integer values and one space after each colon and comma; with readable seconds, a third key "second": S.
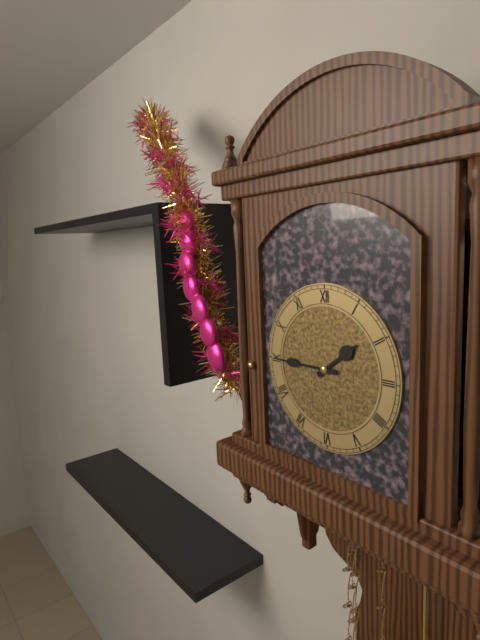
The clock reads {"hour": 1, "minute": 45}
